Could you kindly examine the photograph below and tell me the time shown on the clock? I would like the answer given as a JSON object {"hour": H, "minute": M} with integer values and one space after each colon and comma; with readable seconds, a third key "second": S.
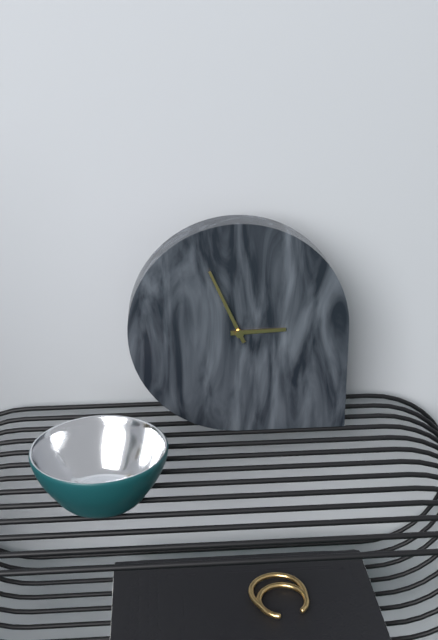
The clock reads {"hour": 2, "minute": 56}
